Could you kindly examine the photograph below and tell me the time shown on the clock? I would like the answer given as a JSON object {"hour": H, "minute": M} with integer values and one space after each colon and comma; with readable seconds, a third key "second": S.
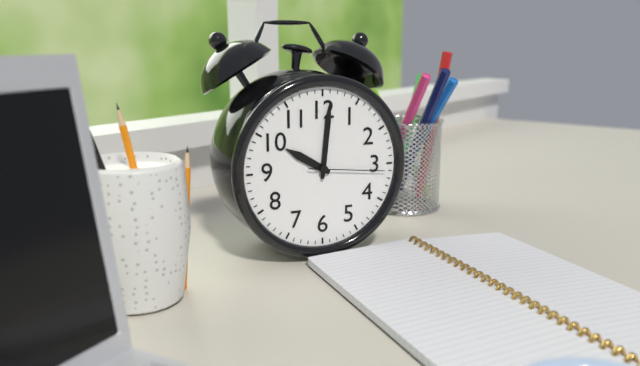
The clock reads {"hour": 10, "minute": 1, "second": 16}
